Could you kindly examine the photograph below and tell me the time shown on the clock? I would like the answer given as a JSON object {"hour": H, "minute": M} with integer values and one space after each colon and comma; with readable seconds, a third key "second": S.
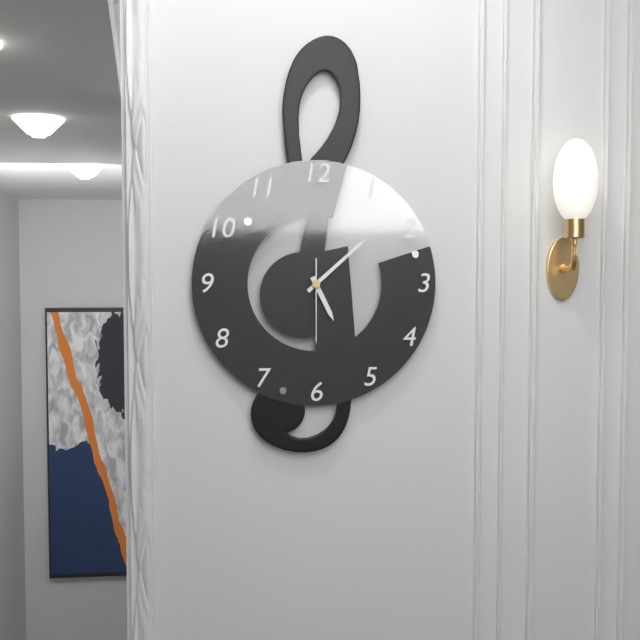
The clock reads {"hour": 5, "minute": 8, "second": 30}
